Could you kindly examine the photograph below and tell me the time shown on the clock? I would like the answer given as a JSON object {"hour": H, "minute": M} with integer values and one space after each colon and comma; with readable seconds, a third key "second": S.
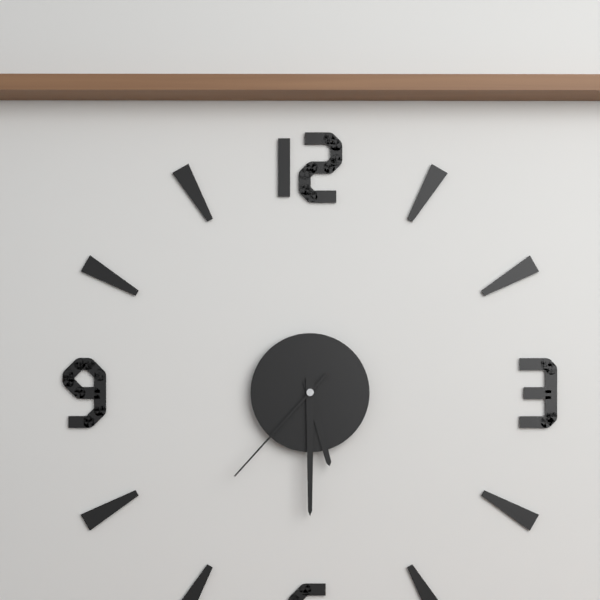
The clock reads {"hour": 5, "minute": 30, "second": 37}
